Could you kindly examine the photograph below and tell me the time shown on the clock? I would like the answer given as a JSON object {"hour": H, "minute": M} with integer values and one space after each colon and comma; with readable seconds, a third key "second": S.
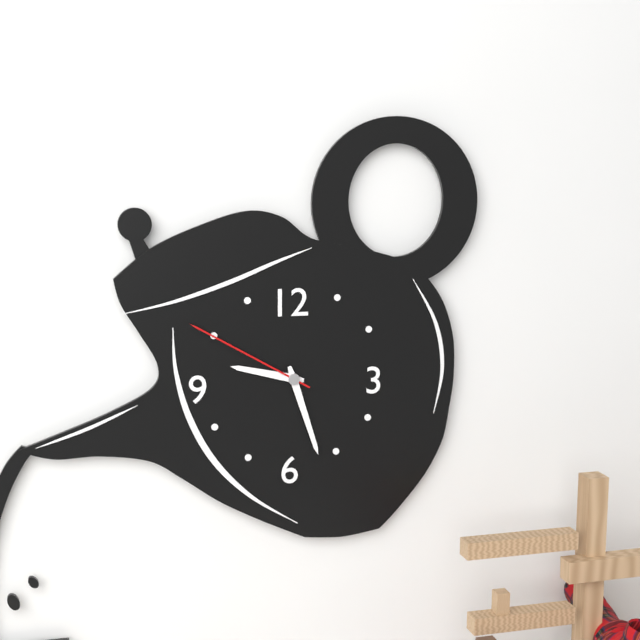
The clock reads {"hour": 9, "minute": 27, "second": 50}
